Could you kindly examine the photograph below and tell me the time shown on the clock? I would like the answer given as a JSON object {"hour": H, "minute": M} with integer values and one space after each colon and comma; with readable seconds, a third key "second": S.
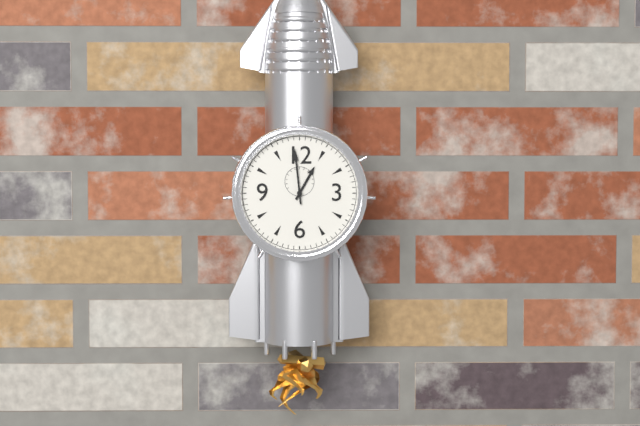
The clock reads {"hour": 12, "minute": 59}
